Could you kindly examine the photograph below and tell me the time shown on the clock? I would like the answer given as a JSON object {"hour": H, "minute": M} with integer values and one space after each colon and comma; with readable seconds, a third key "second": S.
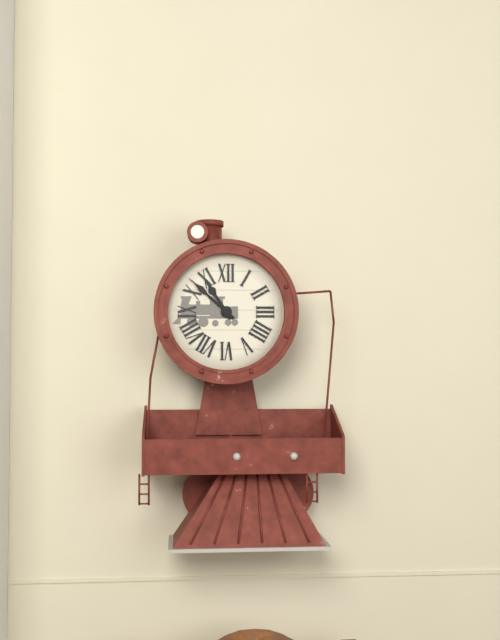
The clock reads {"hour": 10, "minute": 52}
